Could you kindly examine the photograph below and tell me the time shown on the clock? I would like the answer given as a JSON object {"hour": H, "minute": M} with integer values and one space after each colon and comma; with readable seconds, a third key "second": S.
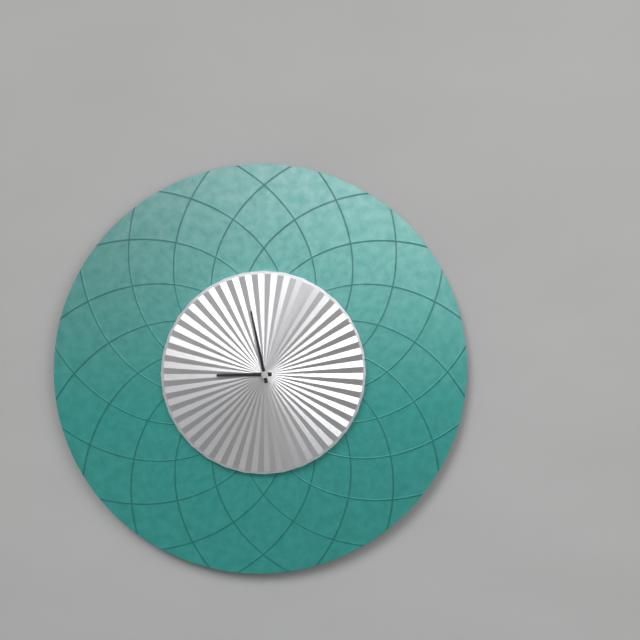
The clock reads {"hour": 8, "minute": 58}
